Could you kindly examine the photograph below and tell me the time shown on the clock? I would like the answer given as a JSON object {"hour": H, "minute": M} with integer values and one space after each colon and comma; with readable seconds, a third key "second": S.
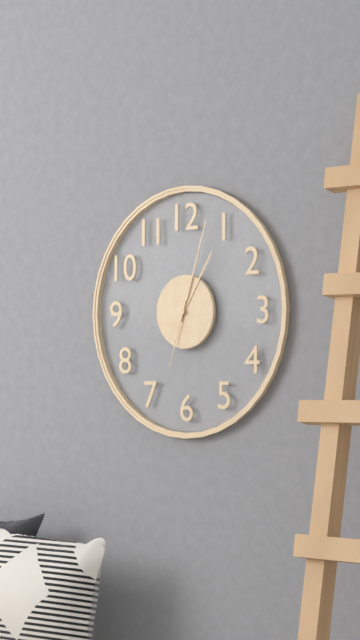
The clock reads {"hour": 1, "minute": 3, "second": 33}
